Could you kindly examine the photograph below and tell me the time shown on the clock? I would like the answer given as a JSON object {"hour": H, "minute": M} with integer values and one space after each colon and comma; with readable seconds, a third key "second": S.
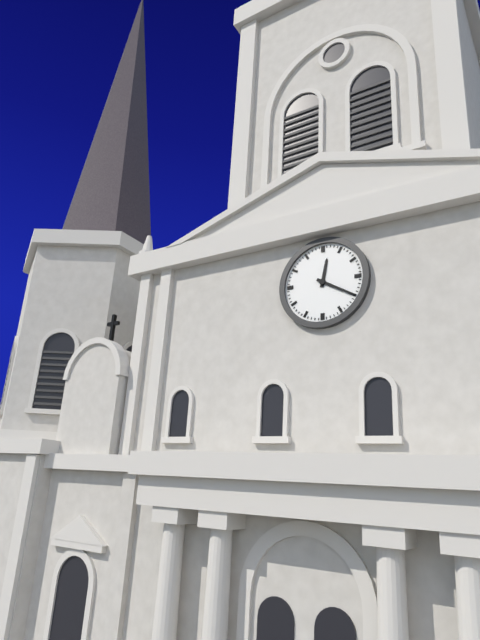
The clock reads {"hour": 12, "minute": 20}
